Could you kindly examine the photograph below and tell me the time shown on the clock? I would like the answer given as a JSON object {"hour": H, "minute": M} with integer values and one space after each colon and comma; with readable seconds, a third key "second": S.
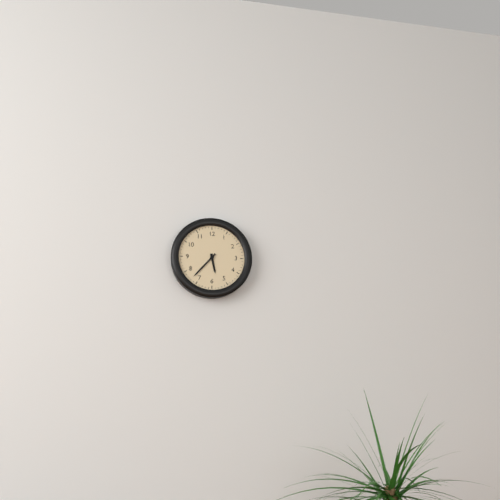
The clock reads {"hour": 5, "minute": 37}
